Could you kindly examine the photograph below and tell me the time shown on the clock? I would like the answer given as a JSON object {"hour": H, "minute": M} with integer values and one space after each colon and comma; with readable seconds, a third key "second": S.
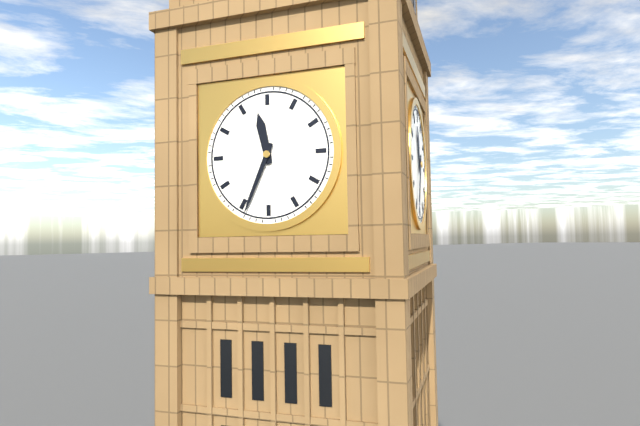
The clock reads {"hour": 11, "minute": 34}
